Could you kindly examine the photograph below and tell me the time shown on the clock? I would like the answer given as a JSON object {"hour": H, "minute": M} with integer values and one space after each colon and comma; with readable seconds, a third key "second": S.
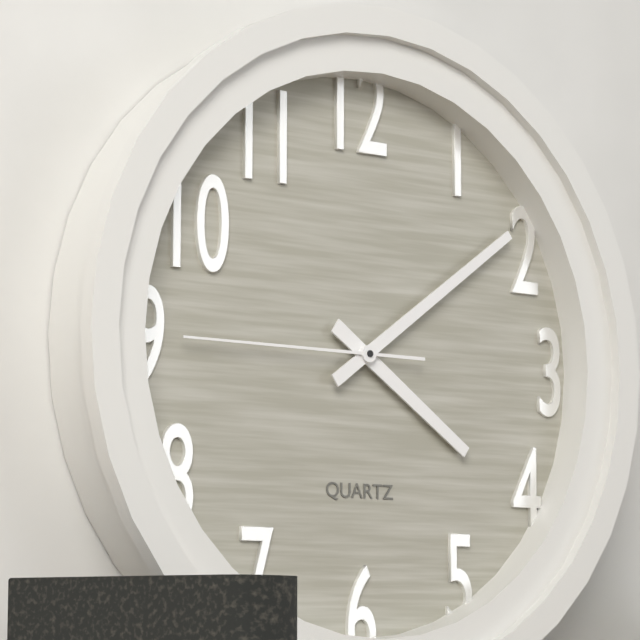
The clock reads {"hour": 4, "minute": 9, "second": 45}
